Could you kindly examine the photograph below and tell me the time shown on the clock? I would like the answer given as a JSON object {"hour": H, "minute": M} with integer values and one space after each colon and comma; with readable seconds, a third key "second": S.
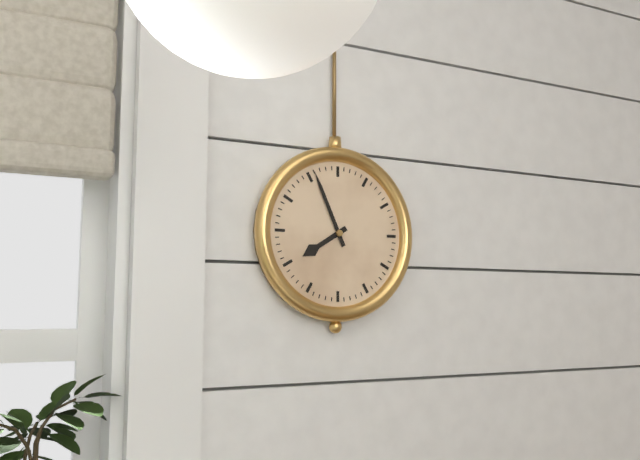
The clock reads {"hour": 7, "minute": 56}
